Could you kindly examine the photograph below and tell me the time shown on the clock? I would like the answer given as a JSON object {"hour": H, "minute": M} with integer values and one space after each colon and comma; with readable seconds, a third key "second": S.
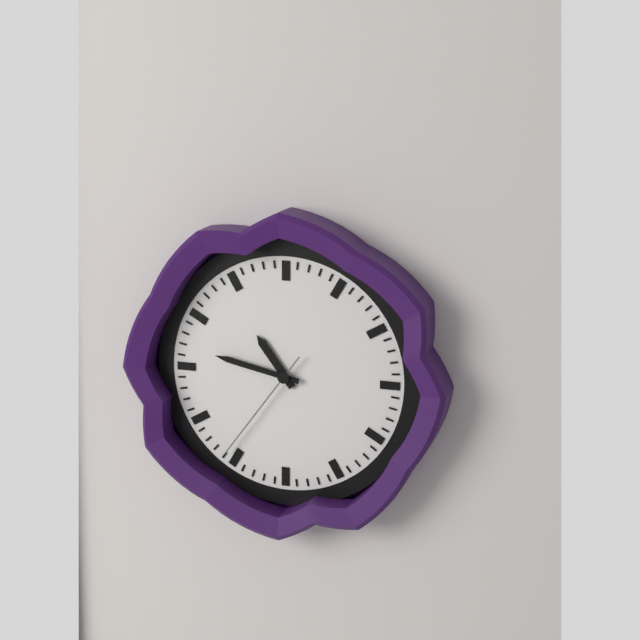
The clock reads {"hour": 10, "minute": 47, "second": 36}
